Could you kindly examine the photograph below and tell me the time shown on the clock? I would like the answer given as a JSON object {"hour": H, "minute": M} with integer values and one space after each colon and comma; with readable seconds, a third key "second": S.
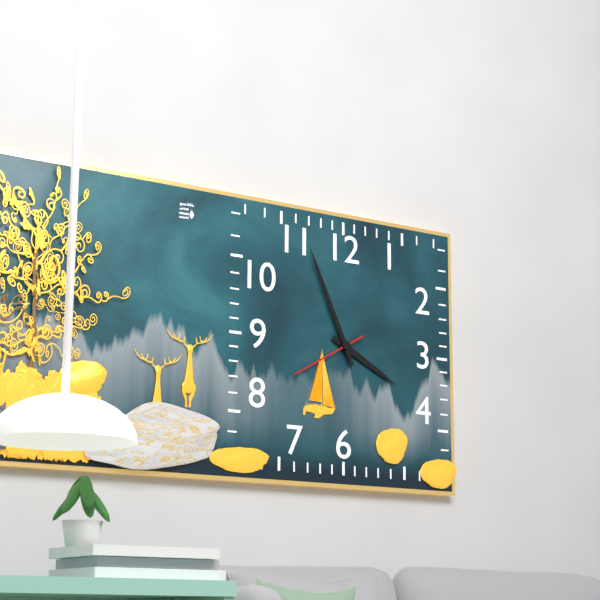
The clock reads {"hour": 3, "minute": 56, "second": 40}
